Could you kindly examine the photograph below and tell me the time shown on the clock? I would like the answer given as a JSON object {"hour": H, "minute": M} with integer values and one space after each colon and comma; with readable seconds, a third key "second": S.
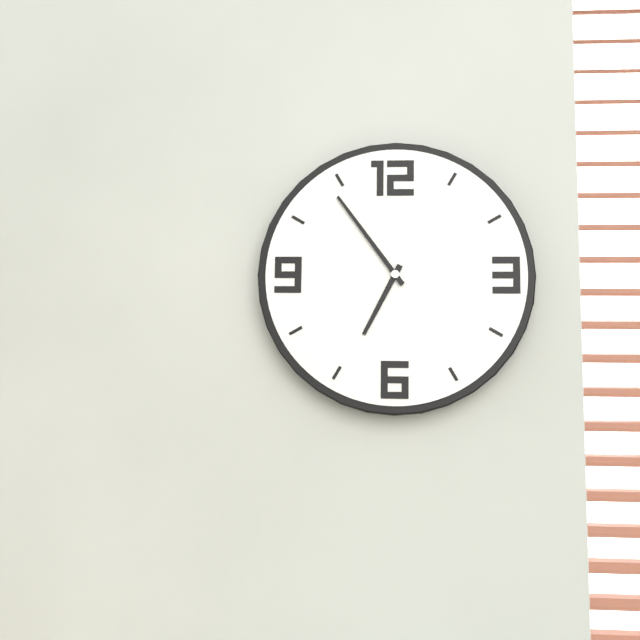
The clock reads {"hour": 6, "minute": 54}
